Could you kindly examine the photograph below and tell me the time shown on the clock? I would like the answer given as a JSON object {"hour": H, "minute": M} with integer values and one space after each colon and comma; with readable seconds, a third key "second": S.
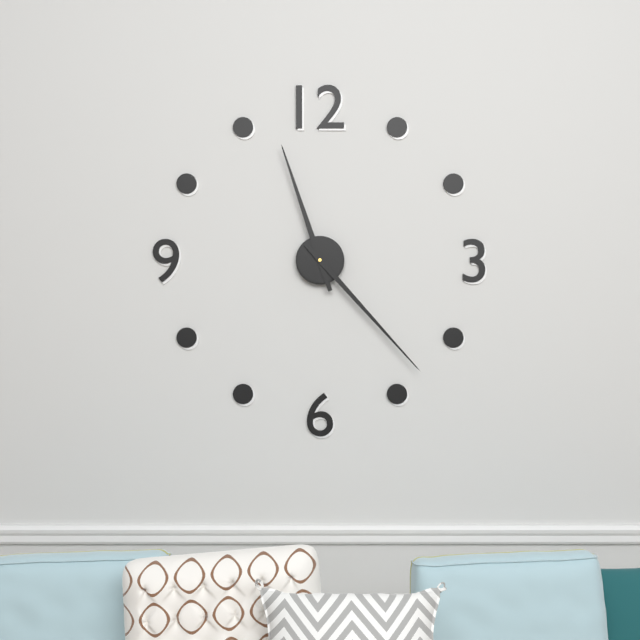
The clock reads {"hour": 11, "minute": 23}
